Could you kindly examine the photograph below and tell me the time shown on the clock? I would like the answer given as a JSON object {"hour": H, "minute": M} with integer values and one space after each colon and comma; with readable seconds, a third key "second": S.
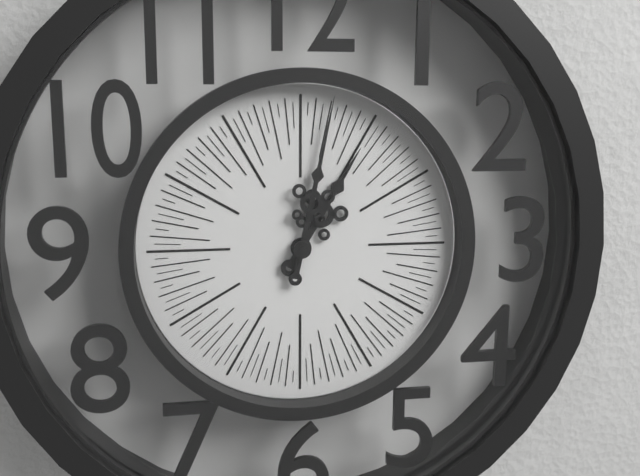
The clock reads {"hour": 1, "minute": 2}
